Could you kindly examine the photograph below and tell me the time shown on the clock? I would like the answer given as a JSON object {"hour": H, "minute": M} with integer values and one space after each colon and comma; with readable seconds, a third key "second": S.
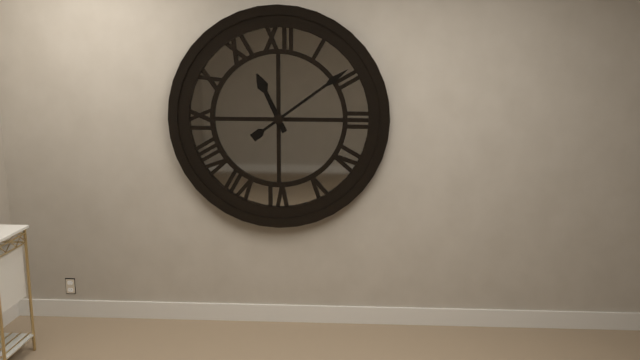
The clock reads {"hour": 11, "minute": 9}
